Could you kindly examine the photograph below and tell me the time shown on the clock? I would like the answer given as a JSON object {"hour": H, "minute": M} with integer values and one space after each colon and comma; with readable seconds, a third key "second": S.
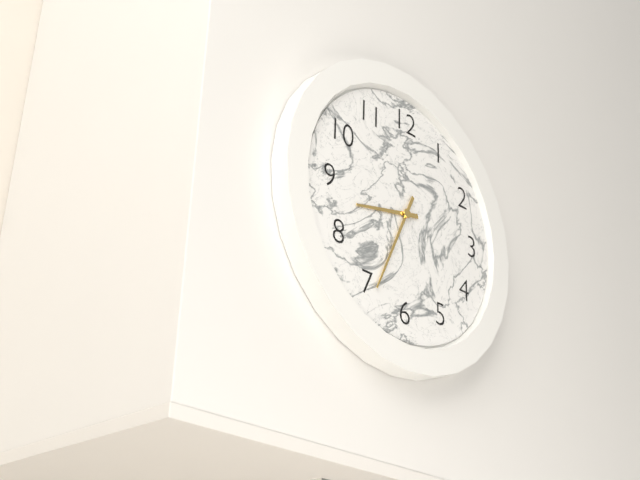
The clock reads {"hour": 8, "minute": 34}
